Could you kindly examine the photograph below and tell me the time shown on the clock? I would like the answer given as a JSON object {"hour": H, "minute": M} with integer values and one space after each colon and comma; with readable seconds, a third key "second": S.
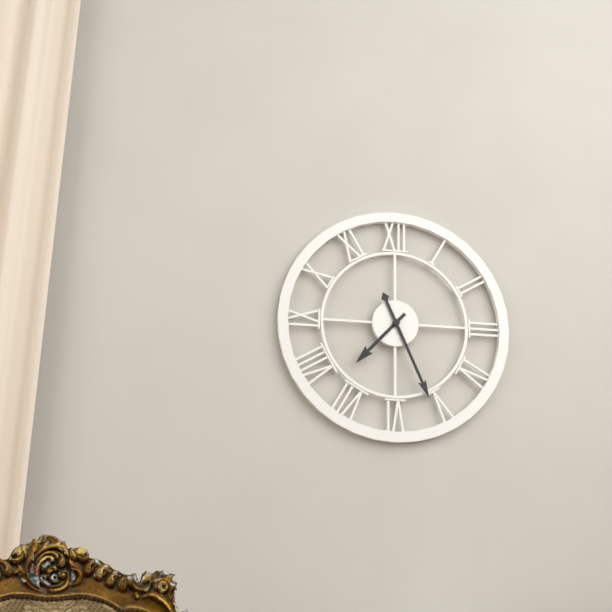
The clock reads {"hour": 7, "minute": 26}
